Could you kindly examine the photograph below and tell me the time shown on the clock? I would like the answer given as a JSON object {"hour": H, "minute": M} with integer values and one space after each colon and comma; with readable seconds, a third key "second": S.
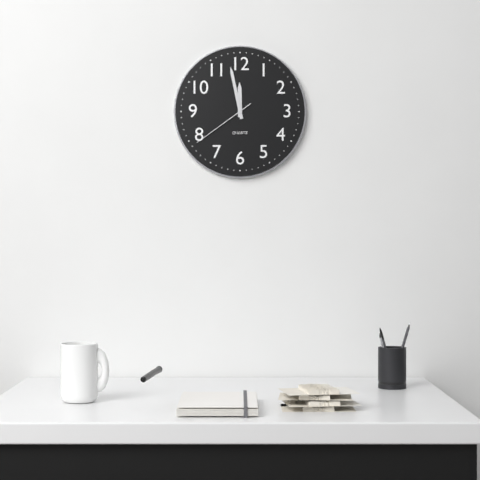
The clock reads {"hour": 11, "minute": 58, "second": 39}
